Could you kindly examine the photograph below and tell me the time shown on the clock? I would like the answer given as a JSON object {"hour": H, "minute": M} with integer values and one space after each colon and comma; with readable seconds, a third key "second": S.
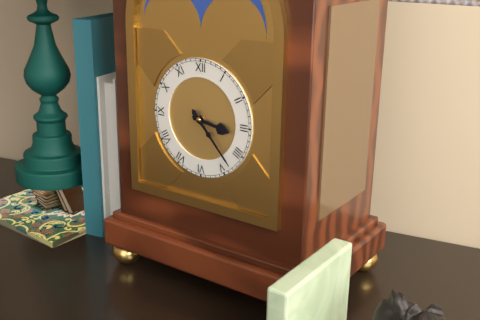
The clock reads {"hour": 3, "minute": 23}
